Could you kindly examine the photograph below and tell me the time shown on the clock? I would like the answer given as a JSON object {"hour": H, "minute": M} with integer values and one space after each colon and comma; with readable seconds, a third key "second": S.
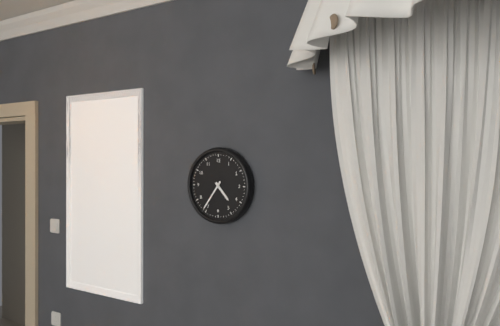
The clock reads {"hour": 4, "minute": 36}
